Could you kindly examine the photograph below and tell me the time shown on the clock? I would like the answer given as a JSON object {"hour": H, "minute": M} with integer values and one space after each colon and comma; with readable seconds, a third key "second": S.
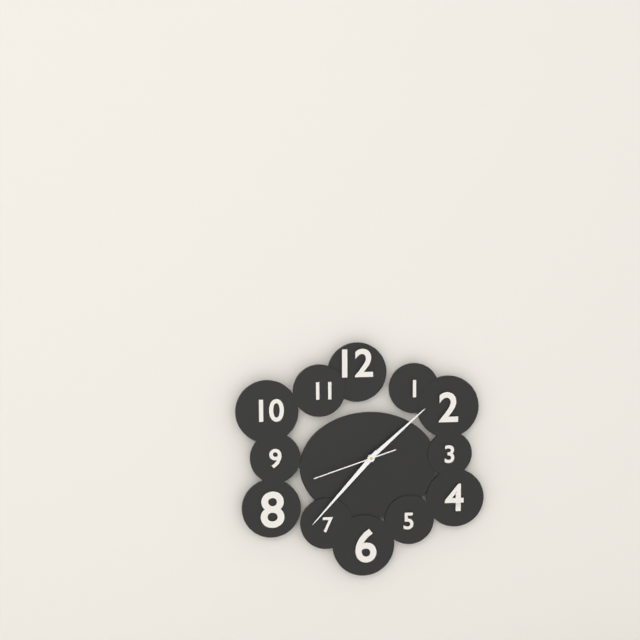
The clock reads {"hour": 1, "minute": 37, "second": 42}
